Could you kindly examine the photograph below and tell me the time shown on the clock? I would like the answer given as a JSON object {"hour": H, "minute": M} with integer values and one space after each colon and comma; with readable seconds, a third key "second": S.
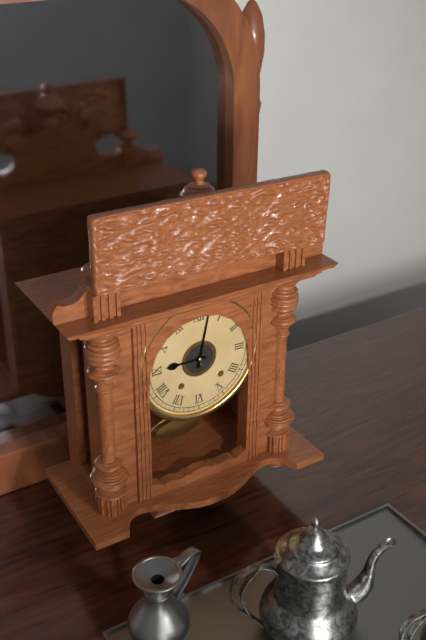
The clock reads {"hour": 9, "minute": 2}
